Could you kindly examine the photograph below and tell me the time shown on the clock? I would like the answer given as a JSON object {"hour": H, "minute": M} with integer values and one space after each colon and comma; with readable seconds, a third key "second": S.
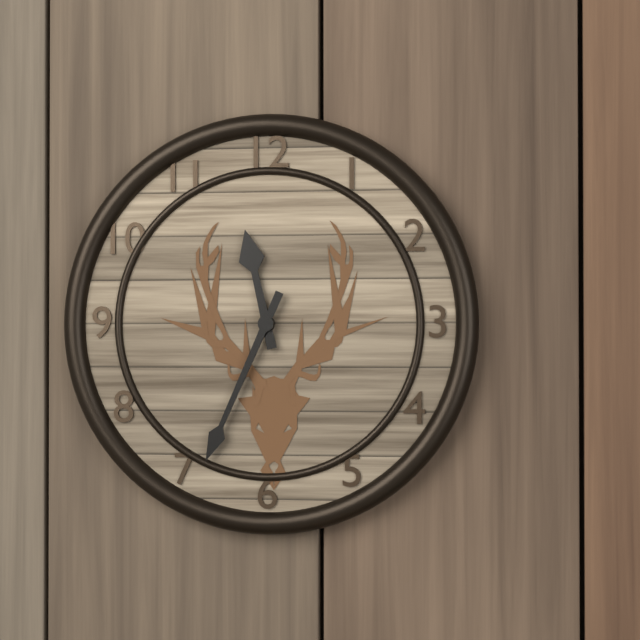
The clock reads {"hour": 11, "minute": 34}
